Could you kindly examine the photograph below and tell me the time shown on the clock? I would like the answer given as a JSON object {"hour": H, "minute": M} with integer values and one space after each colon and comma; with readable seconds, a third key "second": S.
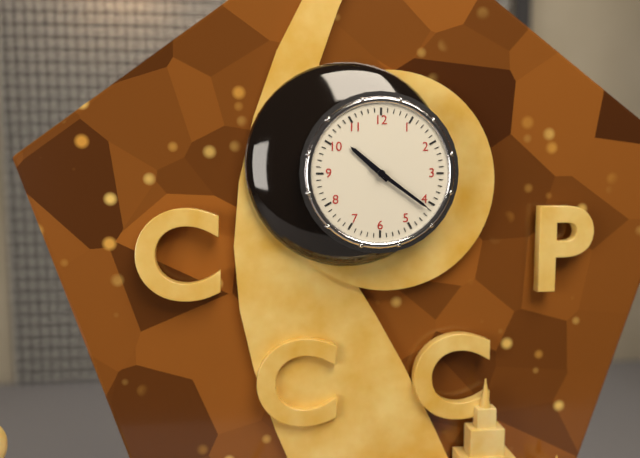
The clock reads {"hour": 10, "minute": 21}
